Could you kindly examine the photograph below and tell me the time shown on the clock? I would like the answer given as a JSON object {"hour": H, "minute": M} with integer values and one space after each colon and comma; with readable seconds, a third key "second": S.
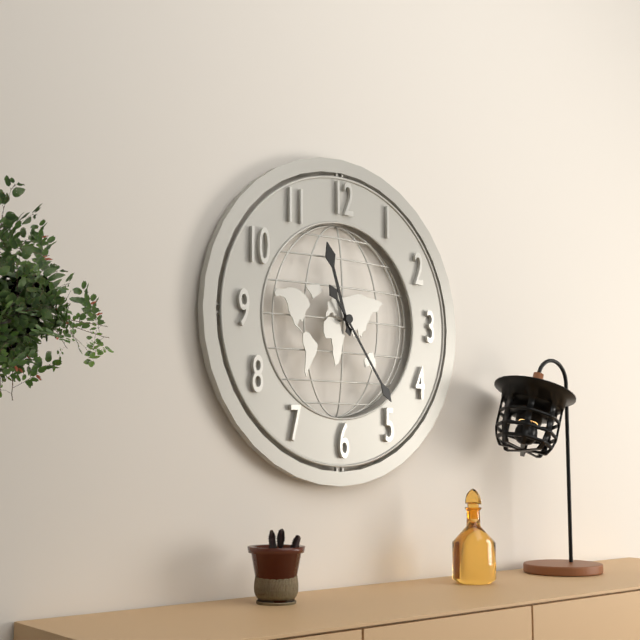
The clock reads {"hour": 11, "minute": 24}
